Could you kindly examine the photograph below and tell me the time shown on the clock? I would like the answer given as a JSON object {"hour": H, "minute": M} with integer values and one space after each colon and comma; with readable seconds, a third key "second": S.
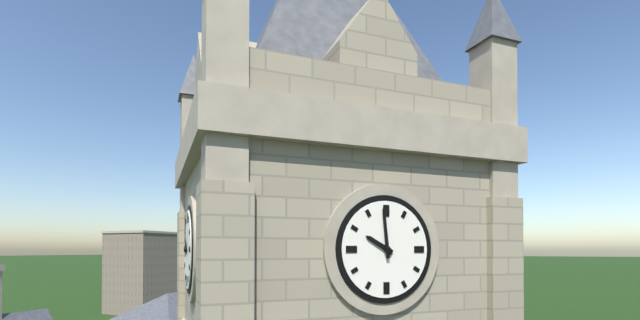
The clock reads {"hour": 9, "minute": 59}
